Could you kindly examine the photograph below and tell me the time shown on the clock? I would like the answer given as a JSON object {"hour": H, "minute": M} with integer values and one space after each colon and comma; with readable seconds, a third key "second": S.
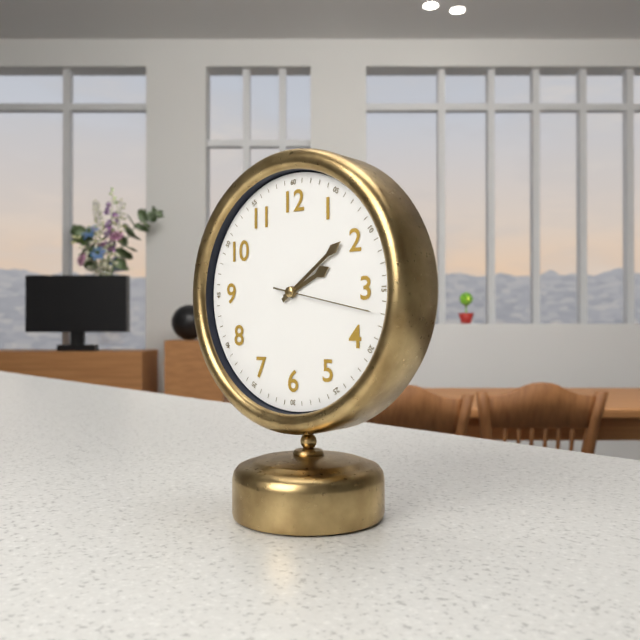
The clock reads {"hour": 2, "minute": 9, "second": 17}
